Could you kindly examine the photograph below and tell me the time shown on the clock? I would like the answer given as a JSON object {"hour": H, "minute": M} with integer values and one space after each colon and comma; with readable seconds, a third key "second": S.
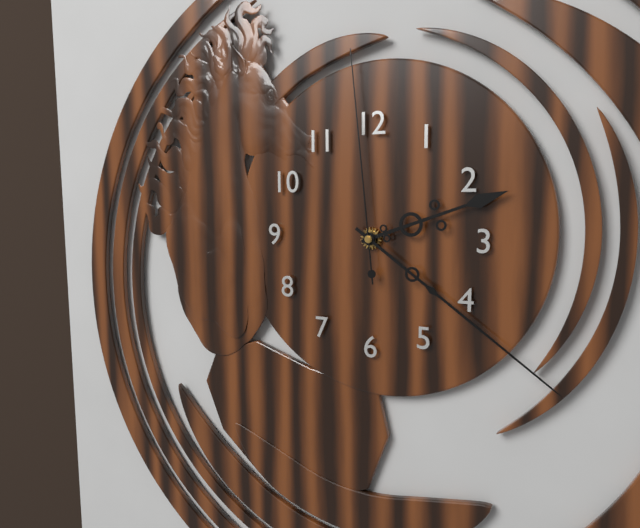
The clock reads {"hour": 2, "minute": 21, "second": 59}
